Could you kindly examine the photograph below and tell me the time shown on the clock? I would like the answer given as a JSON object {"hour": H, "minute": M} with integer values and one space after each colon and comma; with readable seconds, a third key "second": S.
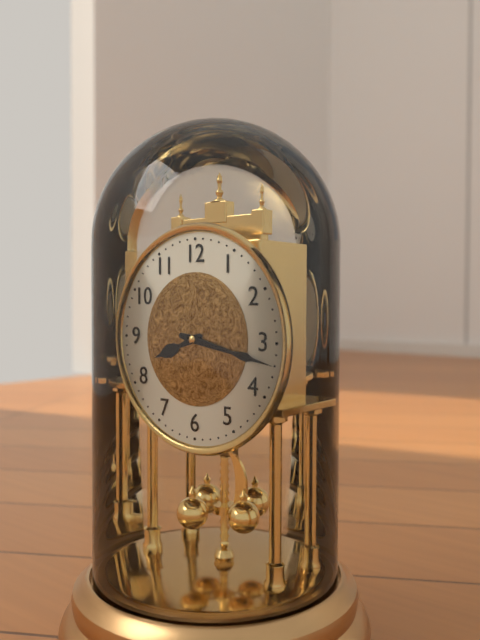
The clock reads {"hour": 8, "minute": 17}
